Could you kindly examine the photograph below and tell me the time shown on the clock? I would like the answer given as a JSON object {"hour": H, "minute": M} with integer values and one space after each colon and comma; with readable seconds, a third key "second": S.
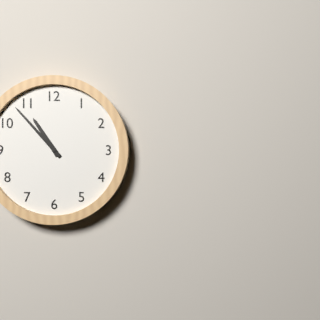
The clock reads {"hour": 10, "minute": 53}
